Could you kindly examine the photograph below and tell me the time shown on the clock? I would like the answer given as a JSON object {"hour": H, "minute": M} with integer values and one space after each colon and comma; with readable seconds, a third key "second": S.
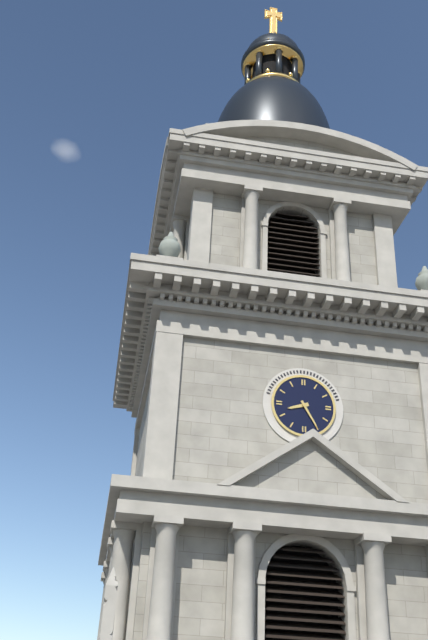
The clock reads {"hour": 8, "minute": 25}
